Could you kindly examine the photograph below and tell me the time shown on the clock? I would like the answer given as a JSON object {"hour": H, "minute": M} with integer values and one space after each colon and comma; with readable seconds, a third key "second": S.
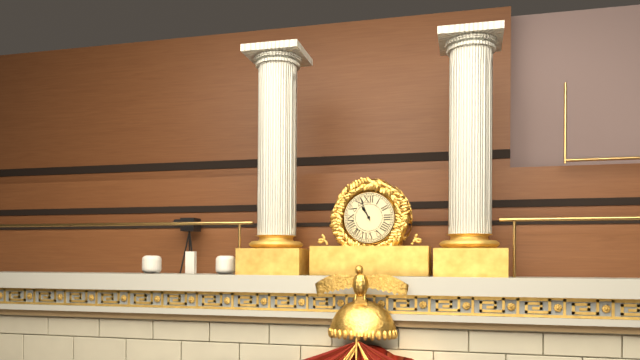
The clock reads {"hour": 10, "minute": 56}
